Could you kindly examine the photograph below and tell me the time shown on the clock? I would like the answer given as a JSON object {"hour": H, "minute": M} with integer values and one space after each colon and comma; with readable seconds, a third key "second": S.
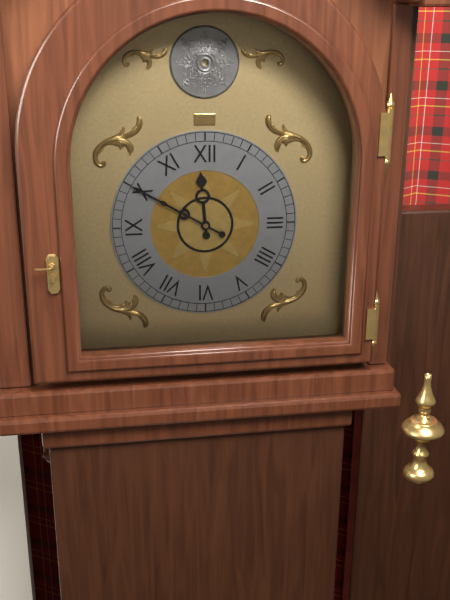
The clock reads {"hour": 11, "minute": 50}
